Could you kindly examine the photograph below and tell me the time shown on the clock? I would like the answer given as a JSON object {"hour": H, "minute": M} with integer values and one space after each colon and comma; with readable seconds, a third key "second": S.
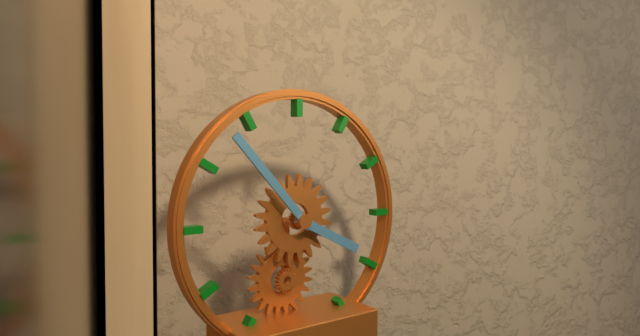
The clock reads {"hour": 3, "minute": 53}
